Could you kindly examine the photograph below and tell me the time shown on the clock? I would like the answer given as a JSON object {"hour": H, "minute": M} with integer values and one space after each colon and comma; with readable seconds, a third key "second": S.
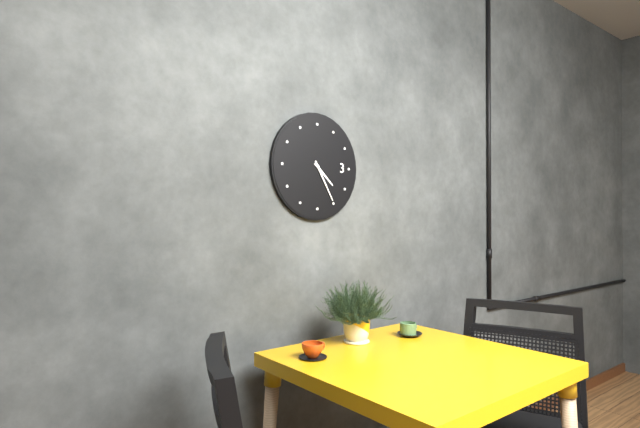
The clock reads {"hour": 4, "minute": 25}
